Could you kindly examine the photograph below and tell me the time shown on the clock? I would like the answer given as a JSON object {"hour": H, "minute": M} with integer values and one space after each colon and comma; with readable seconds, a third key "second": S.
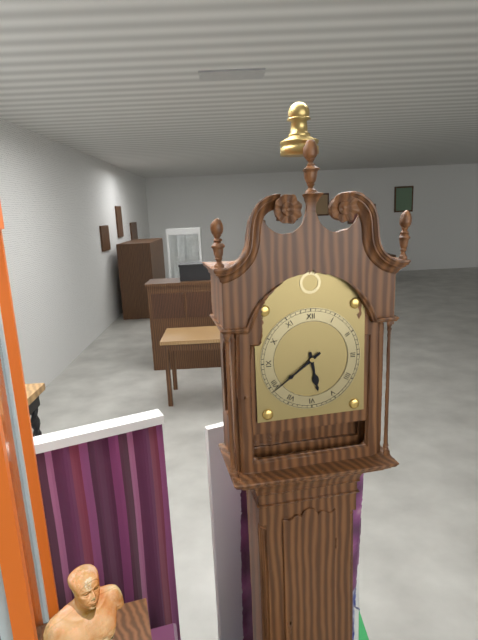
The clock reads {"hour": 5, "minute": 39}
